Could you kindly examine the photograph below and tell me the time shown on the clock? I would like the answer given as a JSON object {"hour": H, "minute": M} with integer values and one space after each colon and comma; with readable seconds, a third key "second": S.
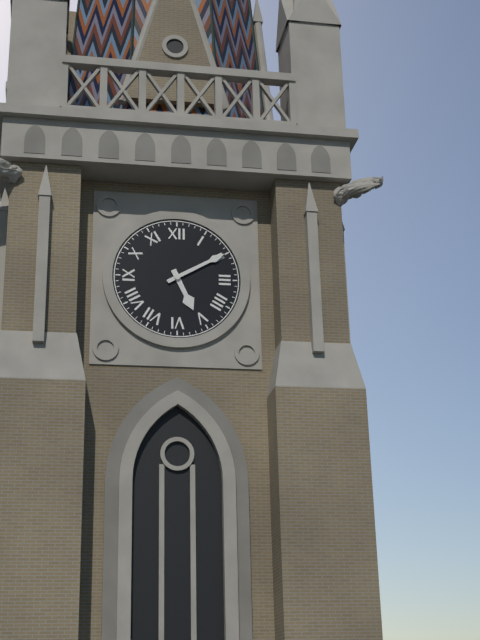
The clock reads {"hour": 5, "minute": 10}
